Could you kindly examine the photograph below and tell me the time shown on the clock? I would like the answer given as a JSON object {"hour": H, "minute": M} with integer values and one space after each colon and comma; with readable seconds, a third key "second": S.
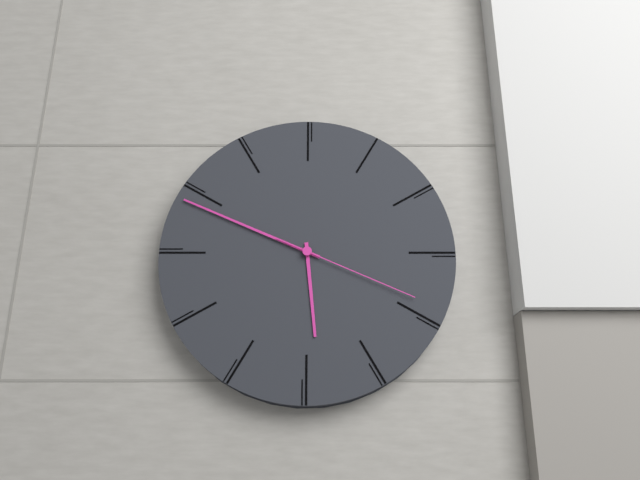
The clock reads {"hour": 5, "minute": 49, "second": 19}
